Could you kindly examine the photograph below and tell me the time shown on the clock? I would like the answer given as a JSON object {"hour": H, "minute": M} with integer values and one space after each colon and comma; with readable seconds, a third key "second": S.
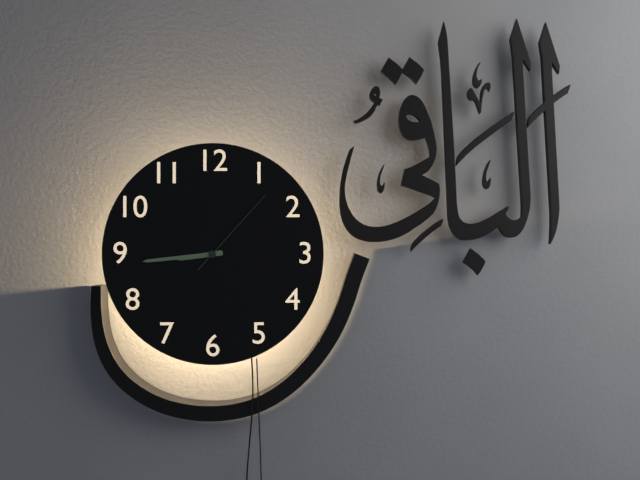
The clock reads {"hour": 8, "minute": 44, "second": 7}
